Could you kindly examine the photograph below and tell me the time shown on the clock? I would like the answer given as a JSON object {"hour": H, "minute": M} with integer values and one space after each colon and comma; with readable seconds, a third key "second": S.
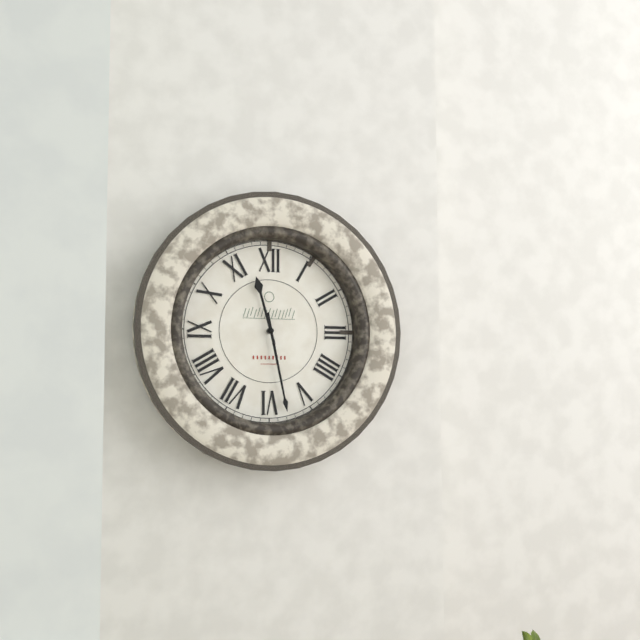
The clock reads {"hour": 11, "minute": 28}
